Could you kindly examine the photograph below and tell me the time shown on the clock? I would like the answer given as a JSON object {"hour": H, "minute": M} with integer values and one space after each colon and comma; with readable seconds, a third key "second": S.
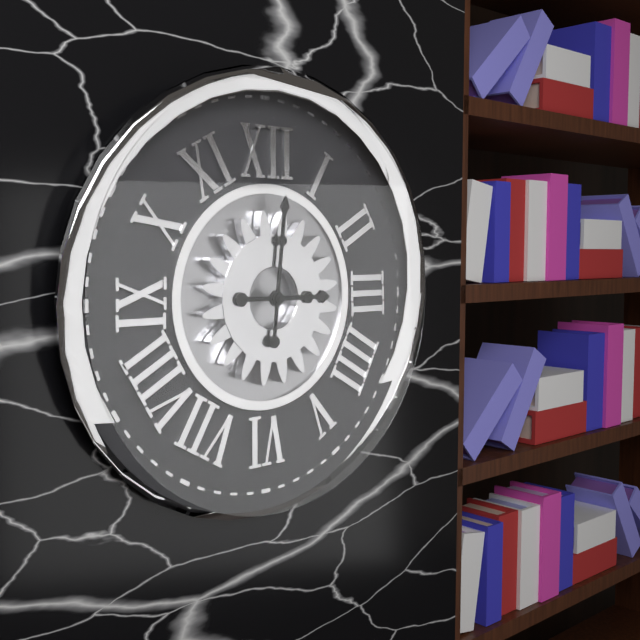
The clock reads {"hour": 3, "minute": 1}
